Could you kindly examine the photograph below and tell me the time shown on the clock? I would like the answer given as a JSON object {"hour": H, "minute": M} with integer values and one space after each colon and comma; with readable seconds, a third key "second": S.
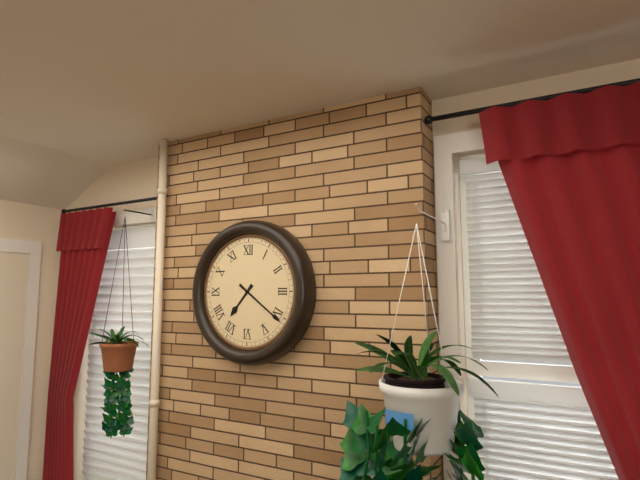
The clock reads {"hour": 7, "minute": 21}
